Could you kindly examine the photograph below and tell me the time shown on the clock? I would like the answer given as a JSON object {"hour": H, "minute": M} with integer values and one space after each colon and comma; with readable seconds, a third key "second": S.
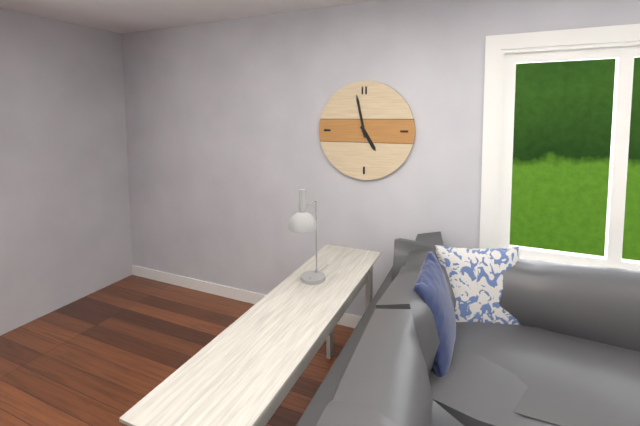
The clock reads {"hour": 4, "minute": 58}
